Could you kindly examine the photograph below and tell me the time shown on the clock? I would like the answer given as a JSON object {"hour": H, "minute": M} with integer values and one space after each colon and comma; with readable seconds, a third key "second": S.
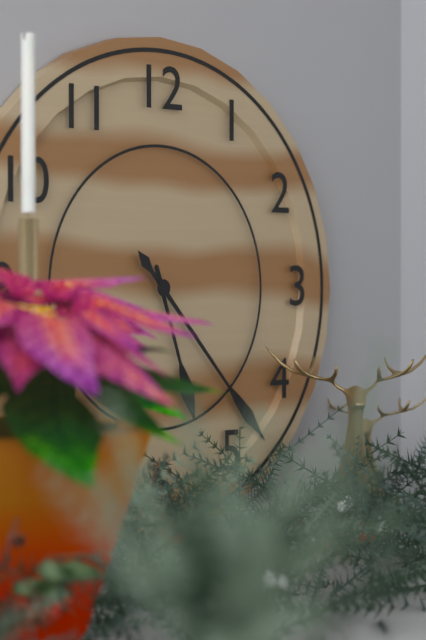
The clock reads {"hour": 5, "minute": 23}
